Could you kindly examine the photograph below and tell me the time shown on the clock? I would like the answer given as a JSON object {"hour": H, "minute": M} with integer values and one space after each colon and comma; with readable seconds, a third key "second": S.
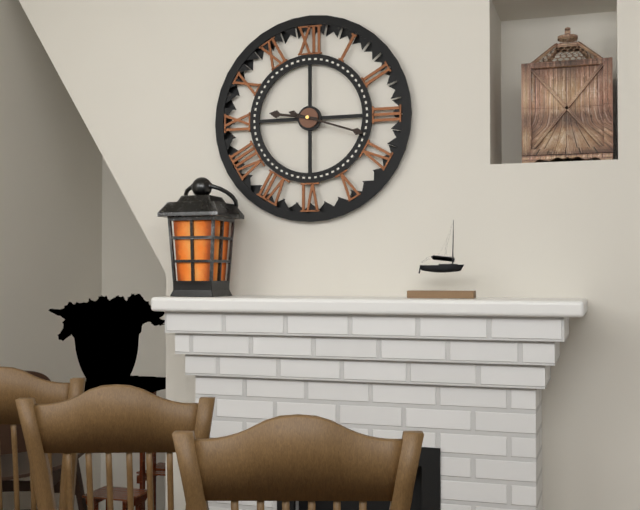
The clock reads {"hour": 9, "minute": 18}
